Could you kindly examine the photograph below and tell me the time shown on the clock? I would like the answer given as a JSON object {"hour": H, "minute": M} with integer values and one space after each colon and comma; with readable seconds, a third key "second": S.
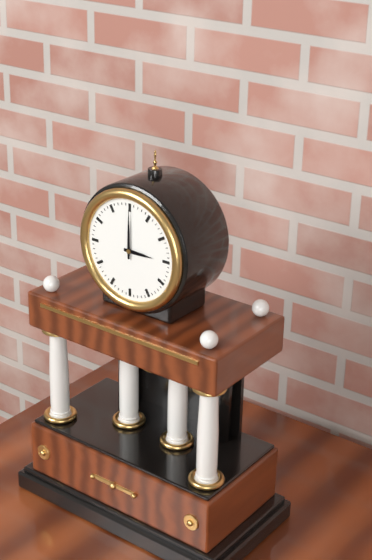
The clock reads {"hour": 3, "minute": 0}
